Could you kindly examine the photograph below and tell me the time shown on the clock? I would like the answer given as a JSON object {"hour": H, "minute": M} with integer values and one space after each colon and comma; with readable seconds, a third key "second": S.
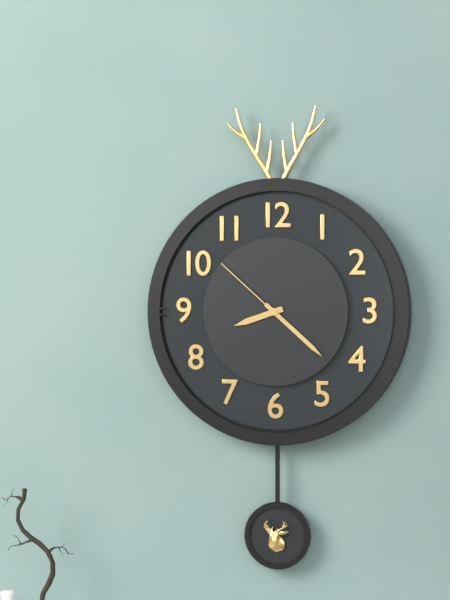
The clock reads {"hour": 8, "minute": 22, "second": 52}
